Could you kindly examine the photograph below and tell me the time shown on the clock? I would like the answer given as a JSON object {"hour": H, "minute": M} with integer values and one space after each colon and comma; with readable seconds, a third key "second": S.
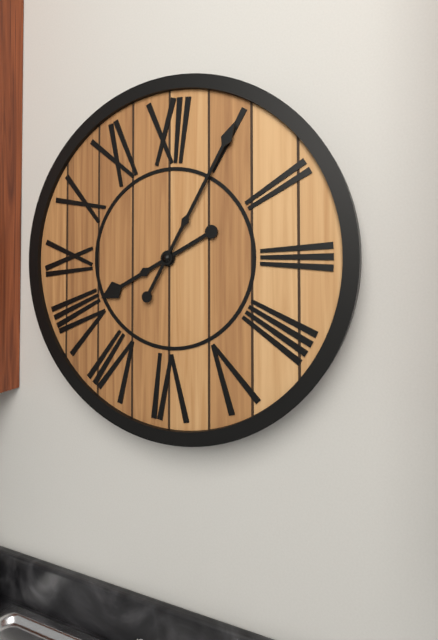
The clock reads {"hour": 8, "minute": 5}
